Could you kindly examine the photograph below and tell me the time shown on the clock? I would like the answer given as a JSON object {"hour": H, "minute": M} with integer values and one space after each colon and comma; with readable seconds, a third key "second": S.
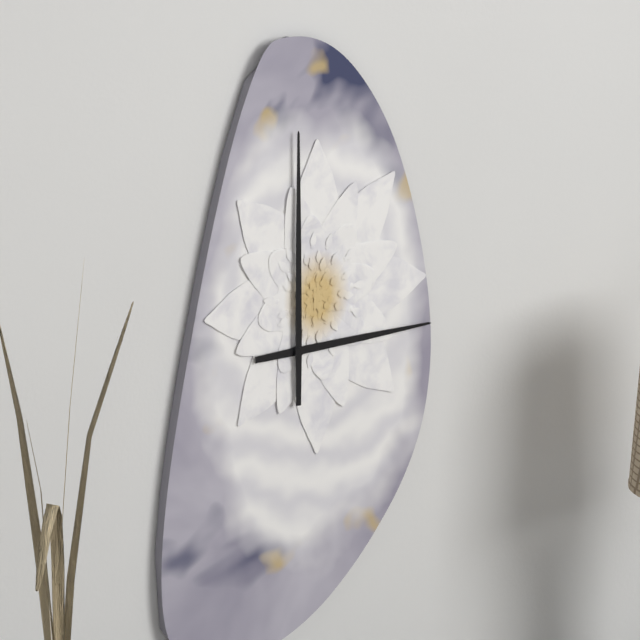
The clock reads {"hour": 3, "minute": 0}
